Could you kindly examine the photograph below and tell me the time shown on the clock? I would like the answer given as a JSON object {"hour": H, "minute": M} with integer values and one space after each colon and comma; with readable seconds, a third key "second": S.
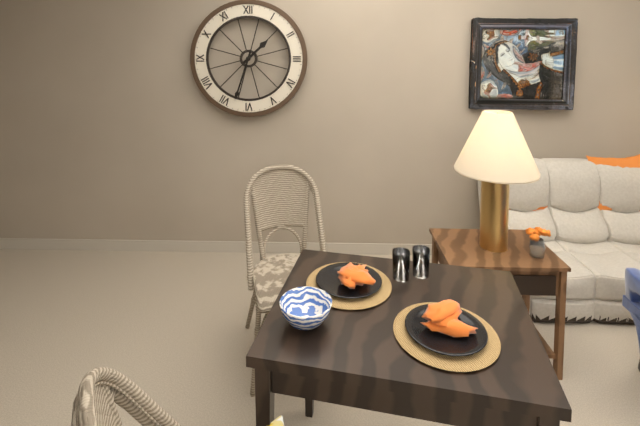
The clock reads {"hour": 1, "minute": 33}
